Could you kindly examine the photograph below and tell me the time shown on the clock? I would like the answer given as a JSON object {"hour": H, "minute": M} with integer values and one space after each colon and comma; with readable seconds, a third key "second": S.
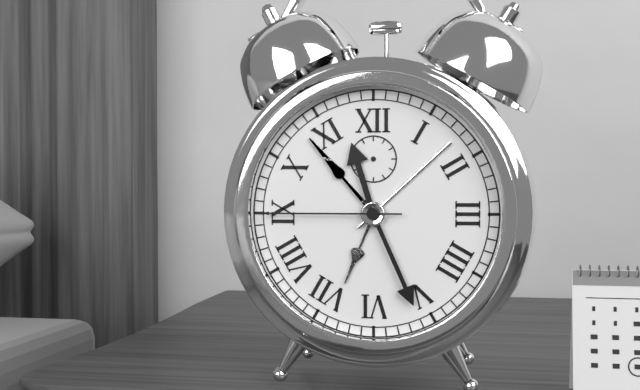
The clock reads {"hour": 11, "minute": 26, "second": 45}
